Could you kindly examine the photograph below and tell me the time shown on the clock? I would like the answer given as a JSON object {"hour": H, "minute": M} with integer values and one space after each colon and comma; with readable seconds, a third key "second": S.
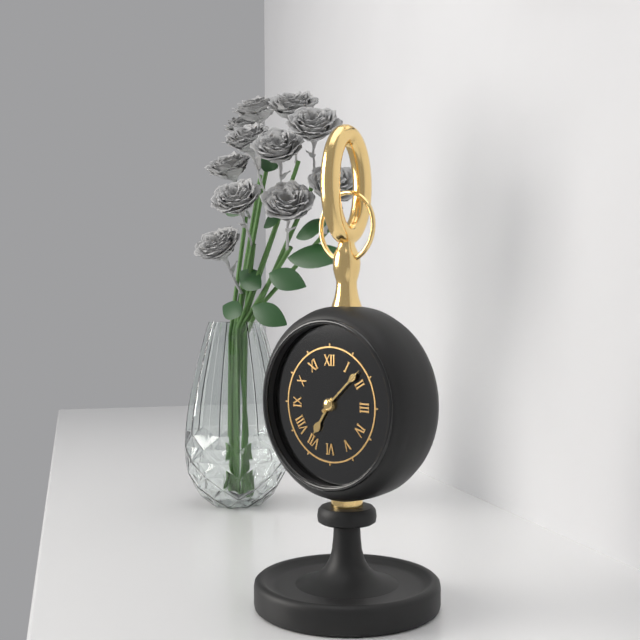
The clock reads {"hour": 7, "minute": 8}
